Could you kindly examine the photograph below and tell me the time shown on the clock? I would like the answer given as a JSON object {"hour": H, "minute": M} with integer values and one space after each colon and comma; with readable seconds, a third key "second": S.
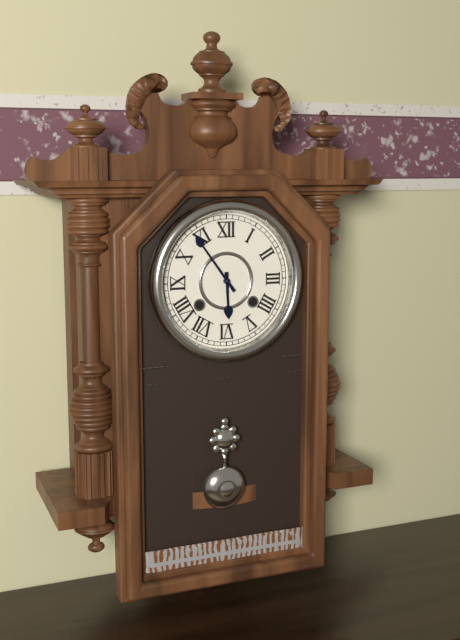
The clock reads {"hour": 5, "minute": 54}
